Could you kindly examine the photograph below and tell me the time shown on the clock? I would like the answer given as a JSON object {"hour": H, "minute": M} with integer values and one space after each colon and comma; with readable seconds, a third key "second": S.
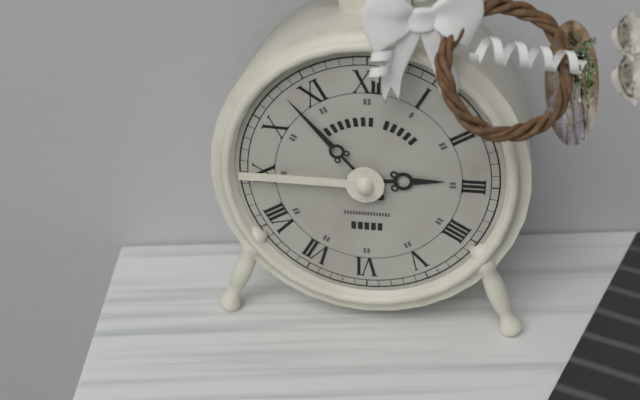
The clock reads {"hour": 2, "minute": 53}
